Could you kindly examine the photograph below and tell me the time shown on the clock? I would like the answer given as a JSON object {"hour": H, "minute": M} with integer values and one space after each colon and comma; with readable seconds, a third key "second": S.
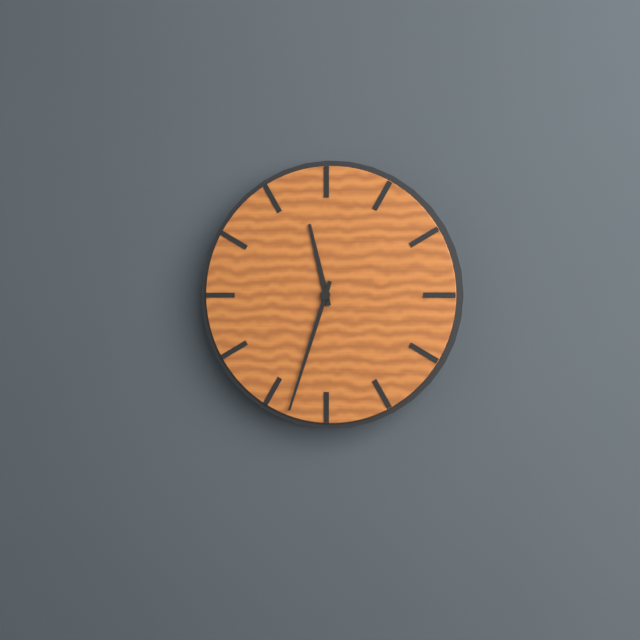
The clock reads {"hour": 11, "minute": 33}
